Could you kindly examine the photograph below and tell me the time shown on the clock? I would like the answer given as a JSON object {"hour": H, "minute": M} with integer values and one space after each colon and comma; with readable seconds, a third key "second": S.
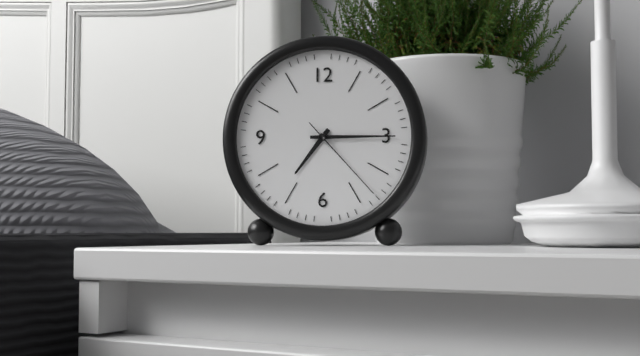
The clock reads {"hour": 7, "minute": 15, "second": 23}
